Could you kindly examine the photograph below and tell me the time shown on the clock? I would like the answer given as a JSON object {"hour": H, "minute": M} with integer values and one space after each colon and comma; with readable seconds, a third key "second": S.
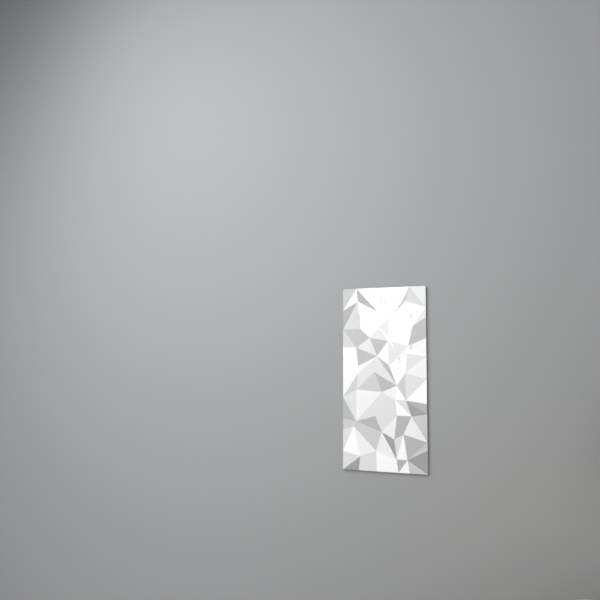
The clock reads {"hour": 4, "minute": 51}
